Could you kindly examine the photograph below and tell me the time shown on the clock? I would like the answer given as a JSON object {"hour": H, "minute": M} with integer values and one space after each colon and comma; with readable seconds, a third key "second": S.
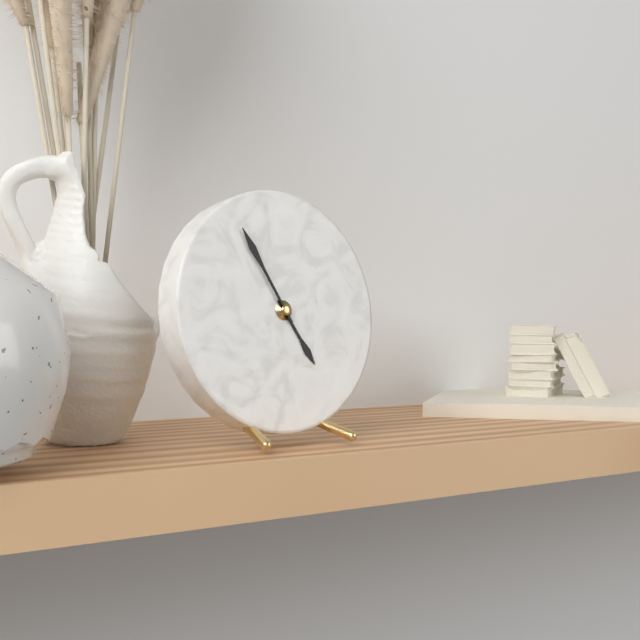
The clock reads {"hour": 4, "minute": 55}
